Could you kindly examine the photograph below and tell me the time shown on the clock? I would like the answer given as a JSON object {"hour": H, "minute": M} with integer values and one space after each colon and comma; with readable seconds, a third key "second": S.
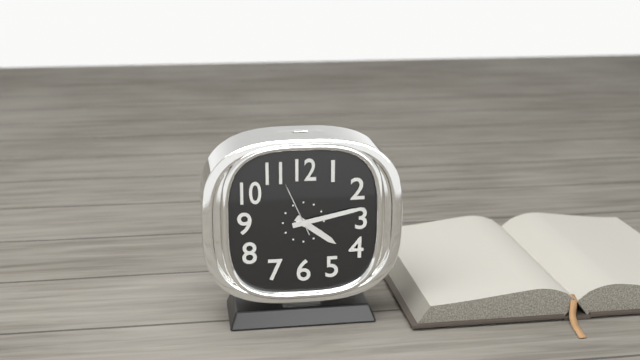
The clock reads {"hour": 4, "minute": 13, "second": 56}
